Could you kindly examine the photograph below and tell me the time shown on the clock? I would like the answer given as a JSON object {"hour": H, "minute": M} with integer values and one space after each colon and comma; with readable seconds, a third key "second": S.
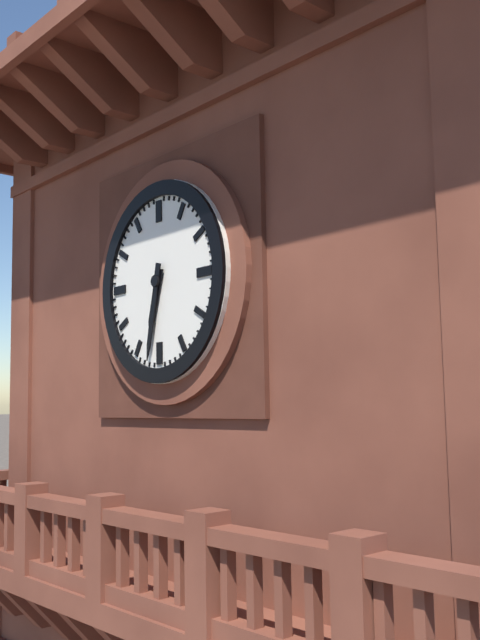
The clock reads {"hour": 6, "minute": 32}
